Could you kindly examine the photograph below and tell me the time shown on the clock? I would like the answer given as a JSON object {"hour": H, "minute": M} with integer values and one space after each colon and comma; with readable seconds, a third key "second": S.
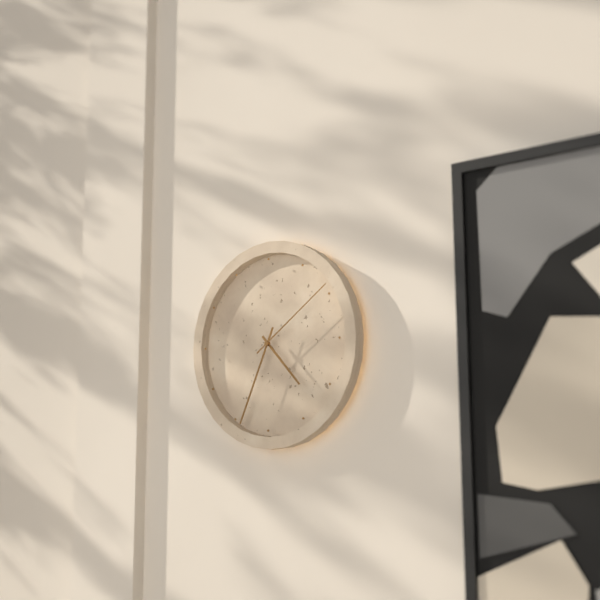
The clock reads {"hour": 4, "minute": 34, "second": 9}
